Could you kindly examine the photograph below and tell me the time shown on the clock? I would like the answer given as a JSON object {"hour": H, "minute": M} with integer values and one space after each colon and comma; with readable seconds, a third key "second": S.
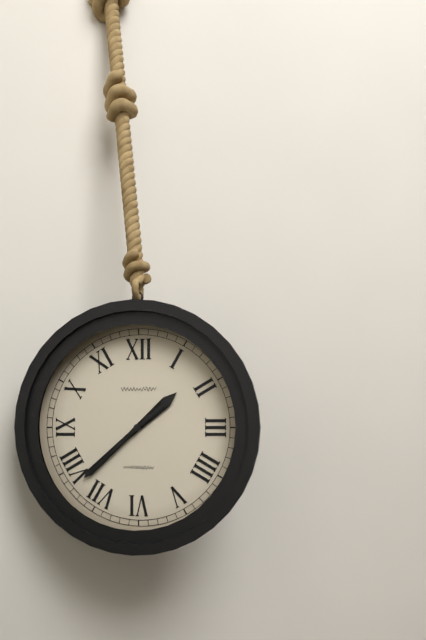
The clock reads {"hour": 1, "minute": 38}
